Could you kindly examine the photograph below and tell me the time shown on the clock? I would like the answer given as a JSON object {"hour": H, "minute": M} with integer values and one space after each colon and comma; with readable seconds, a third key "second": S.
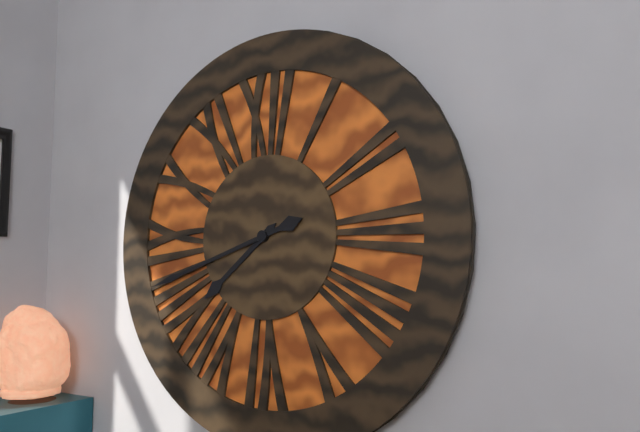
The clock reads {"hour": 7, "minute": 42}
